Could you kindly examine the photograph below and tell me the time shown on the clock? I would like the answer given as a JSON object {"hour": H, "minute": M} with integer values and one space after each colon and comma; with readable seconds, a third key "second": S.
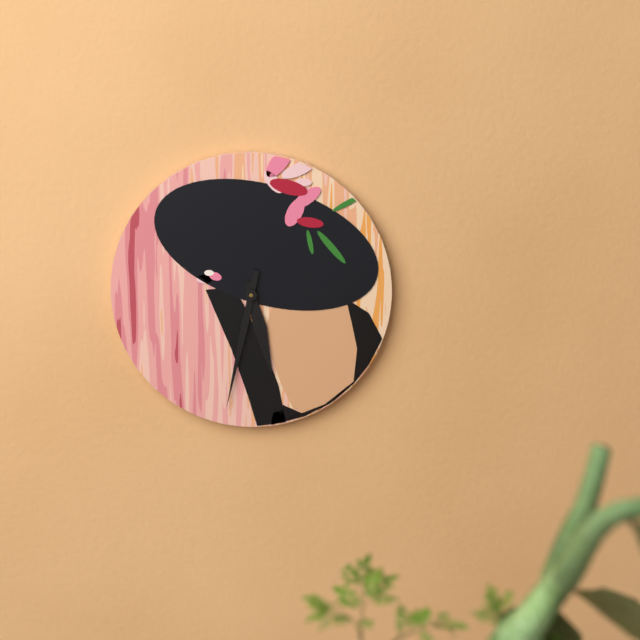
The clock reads {"hour": 5, "minute": 32}
